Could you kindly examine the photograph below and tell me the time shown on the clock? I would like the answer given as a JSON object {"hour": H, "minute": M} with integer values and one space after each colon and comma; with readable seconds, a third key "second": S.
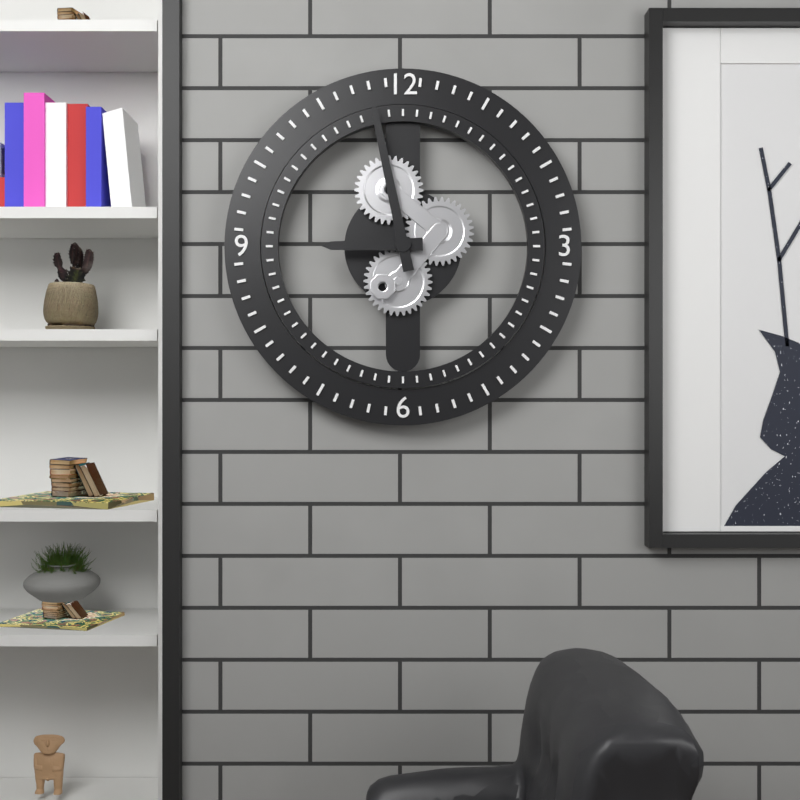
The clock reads {"hour": 8, "minute": 58}
